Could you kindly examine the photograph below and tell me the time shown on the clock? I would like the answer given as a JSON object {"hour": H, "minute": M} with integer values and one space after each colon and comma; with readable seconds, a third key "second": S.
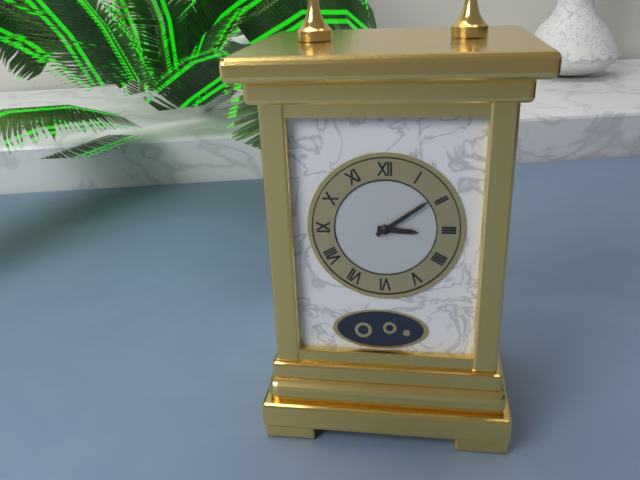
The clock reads {"hour": 3, "minute": 9}
